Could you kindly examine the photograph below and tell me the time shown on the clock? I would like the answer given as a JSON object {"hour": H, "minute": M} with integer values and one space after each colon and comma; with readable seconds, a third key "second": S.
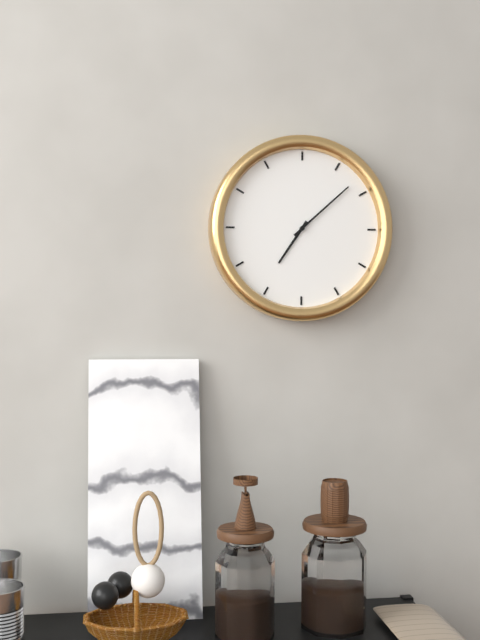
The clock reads {"hour": 7, "minute": 8}
